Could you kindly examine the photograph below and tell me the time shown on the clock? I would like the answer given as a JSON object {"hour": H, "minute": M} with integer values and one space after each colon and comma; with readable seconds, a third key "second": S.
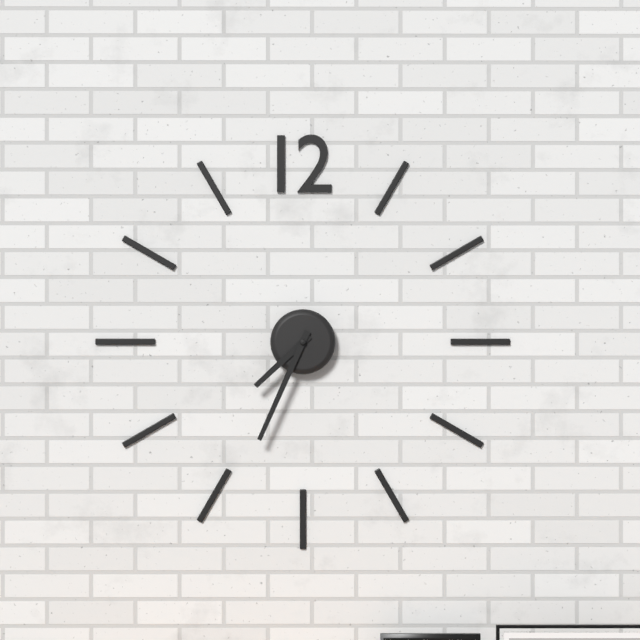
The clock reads {"hour": 7, "minute": 34}
